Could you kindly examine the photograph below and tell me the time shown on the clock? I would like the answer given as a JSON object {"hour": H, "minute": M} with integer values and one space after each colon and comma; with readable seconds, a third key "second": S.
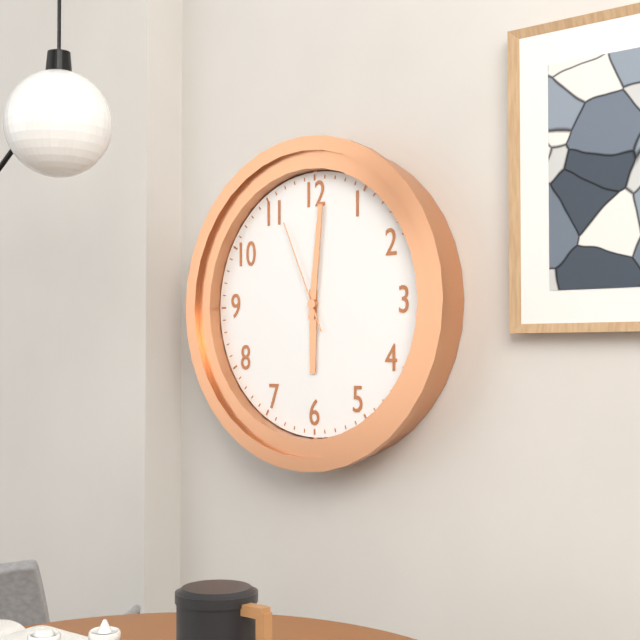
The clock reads {"hour": 6, "minute": 1, "second": 56}
